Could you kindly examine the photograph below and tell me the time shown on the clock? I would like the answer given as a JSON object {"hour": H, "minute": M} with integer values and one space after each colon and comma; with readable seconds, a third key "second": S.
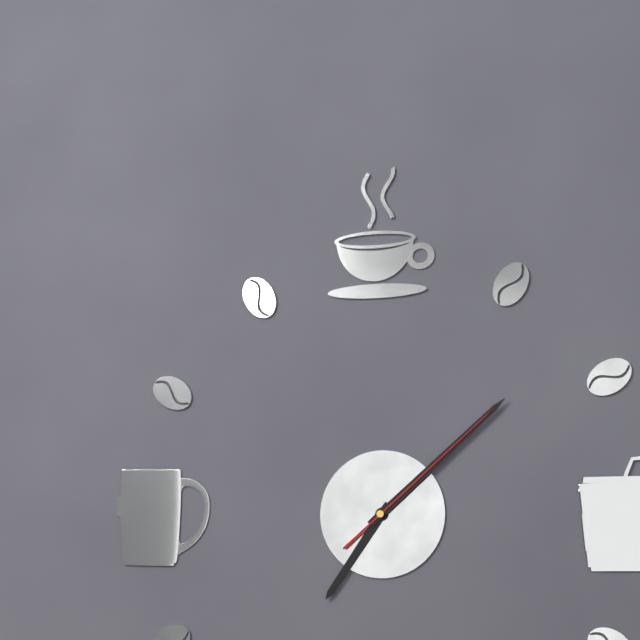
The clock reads {"hour": 7, "minute": 8, "second": 8}
